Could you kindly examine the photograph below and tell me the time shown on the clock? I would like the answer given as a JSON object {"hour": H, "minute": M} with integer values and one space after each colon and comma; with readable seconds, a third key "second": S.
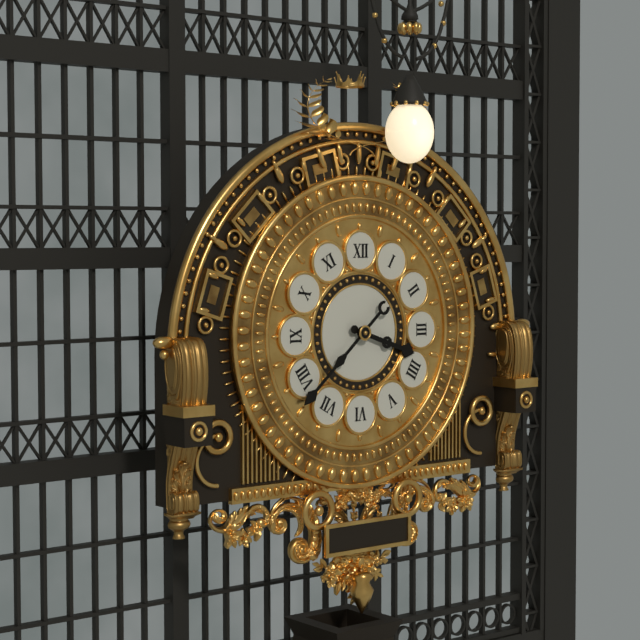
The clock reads {"hour": 3, "minute": 38}
